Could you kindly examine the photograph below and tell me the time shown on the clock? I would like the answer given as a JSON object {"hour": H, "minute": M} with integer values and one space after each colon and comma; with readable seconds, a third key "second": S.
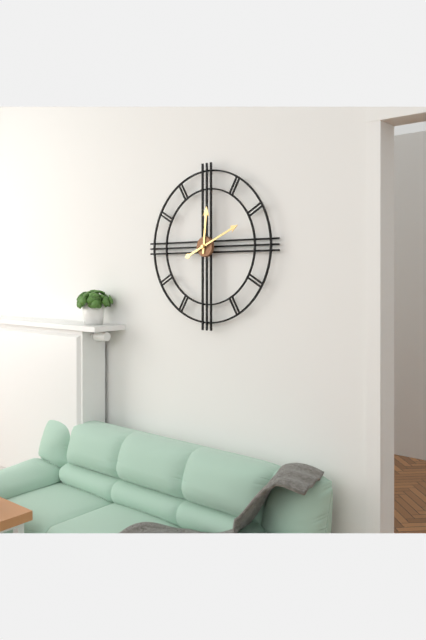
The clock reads {"hour": 12, "minute": 11}
